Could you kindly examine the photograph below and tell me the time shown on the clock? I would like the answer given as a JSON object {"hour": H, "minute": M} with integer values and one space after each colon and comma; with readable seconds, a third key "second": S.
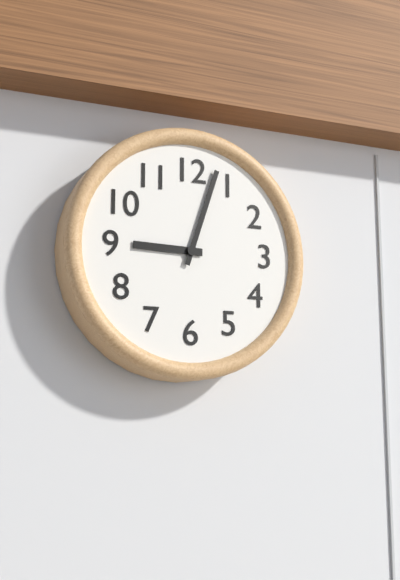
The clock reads {"hour": 9, "minute": 3}
